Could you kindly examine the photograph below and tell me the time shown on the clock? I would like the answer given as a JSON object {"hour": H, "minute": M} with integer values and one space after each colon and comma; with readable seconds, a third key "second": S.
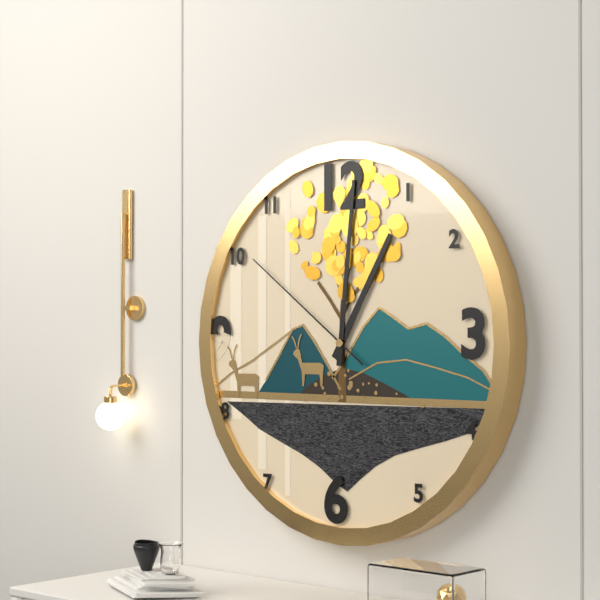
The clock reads {"hour": 1, "minute": 1, "second": 51}
